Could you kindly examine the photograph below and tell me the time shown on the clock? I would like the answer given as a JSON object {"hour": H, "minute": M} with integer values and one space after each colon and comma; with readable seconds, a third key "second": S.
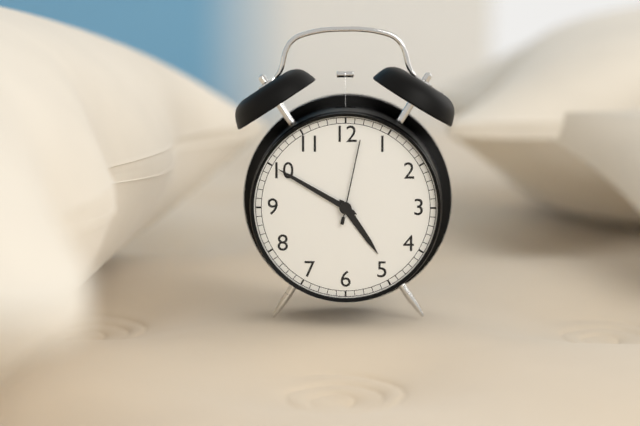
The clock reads {"hour": 4, "minute": 50, "second": 2}
